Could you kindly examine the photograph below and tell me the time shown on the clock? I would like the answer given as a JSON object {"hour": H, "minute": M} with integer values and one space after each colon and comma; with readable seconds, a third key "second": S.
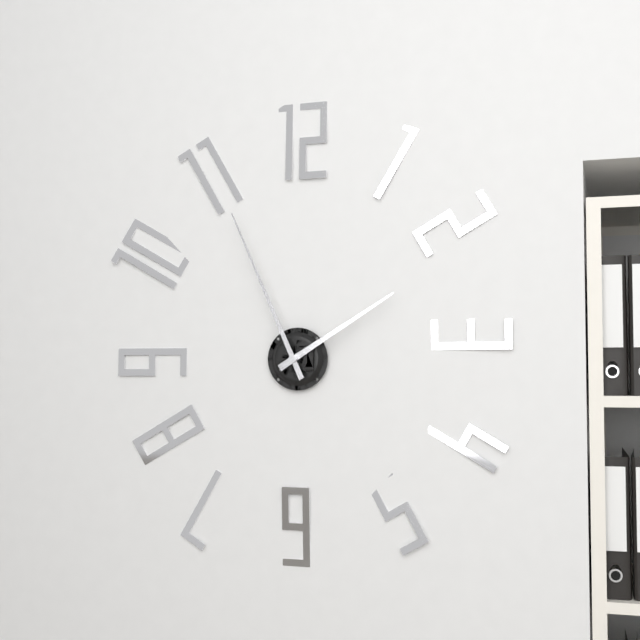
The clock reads {"hour": 1, "minute": 56}
